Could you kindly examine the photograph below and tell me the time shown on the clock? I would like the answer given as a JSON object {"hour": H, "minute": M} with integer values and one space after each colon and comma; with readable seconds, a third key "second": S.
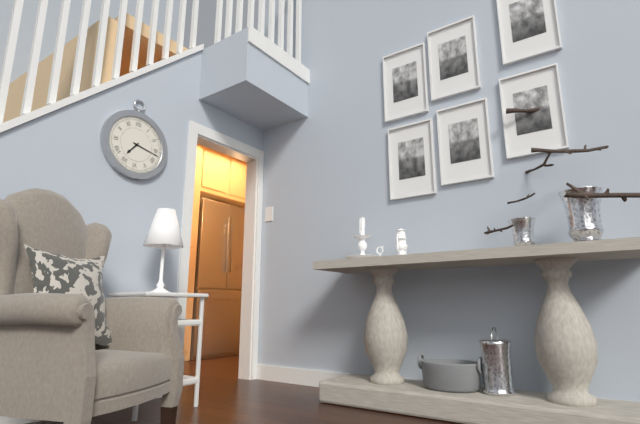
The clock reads {"hour": 7, "minute": 17}
